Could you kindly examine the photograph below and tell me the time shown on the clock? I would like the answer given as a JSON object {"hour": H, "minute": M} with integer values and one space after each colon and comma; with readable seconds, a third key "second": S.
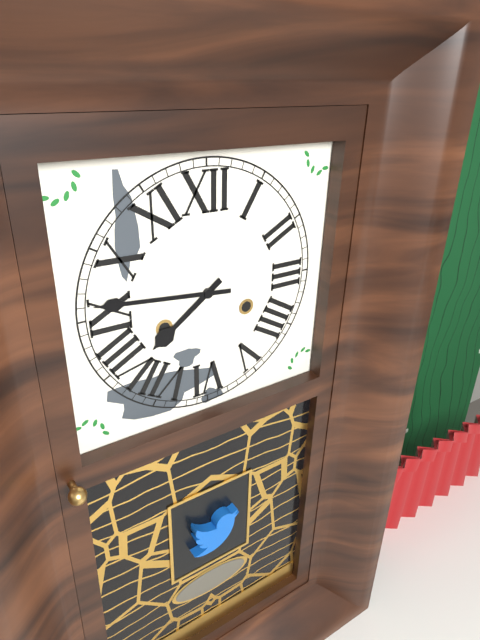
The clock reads {"hour": 7, "minute": 46}
